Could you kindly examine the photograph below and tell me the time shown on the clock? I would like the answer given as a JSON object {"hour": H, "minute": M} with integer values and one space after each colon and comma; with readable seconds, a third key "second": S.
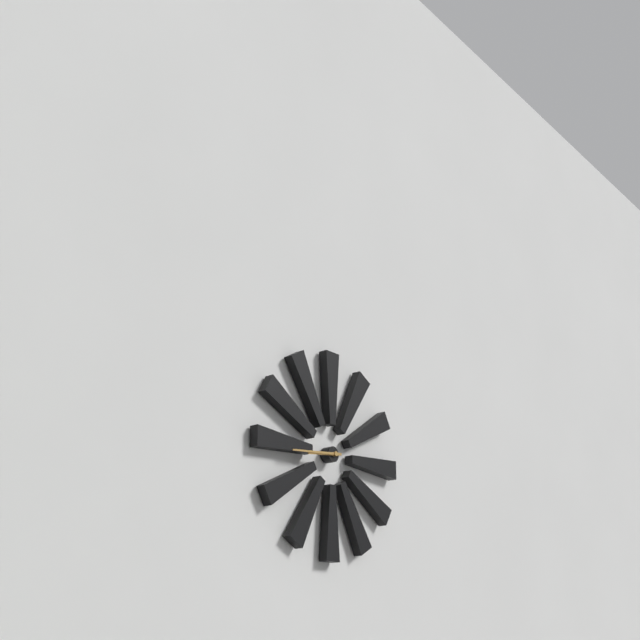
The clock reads {"hour": 8, "minute": 44}
